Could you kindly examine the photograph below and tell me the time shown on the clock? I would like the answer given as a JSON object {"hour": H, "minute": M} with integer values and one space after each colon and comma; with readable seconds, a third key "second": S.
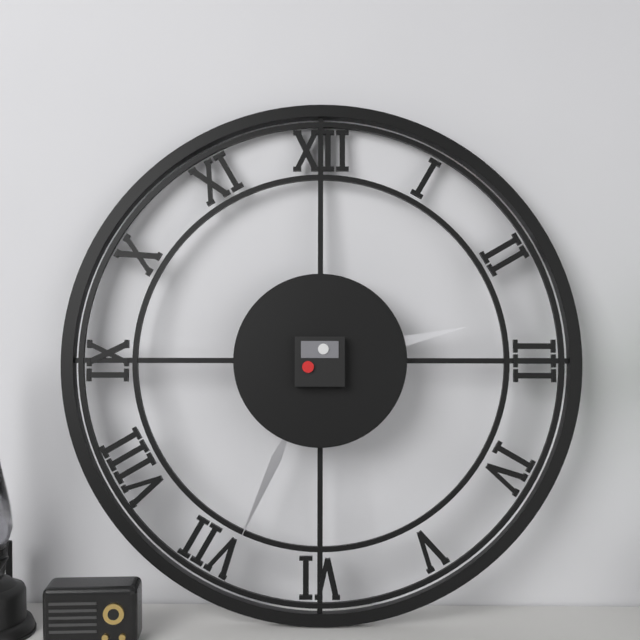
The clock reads {"hour": 2, "minute": 34}
